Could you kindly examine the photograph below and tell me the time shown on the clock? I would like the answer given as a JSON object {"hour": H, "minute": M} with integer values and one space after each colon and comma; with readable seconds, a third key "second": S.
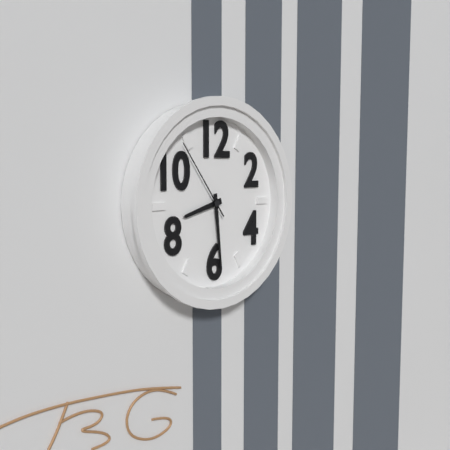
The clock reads {"hour": 8, "minute": 29, "second": 54}
